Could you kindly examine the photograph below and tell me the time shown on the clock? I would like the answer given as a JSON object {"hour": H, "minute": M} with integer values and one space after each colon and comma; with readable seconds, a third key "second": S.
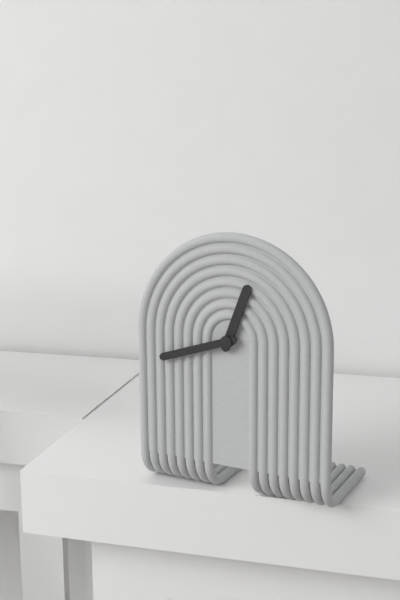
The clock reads {"hour": 12, "minute": 42}
